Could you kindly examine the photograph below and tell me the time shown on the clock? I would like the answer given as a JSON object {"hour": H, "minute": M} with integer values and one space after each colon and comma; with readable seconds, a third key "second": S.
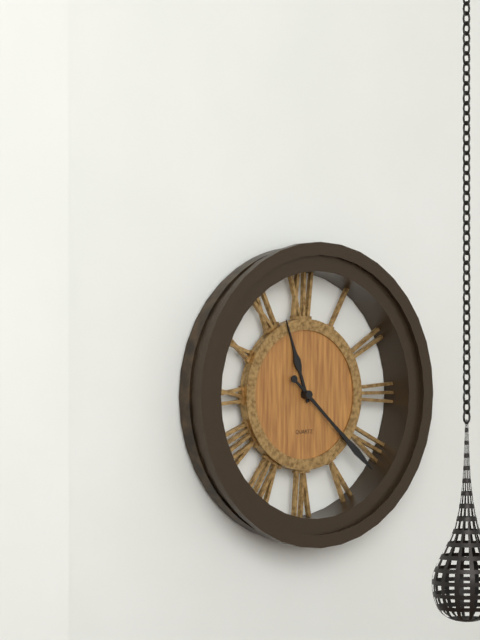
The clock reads {"hour": 11, "minute": 22}
